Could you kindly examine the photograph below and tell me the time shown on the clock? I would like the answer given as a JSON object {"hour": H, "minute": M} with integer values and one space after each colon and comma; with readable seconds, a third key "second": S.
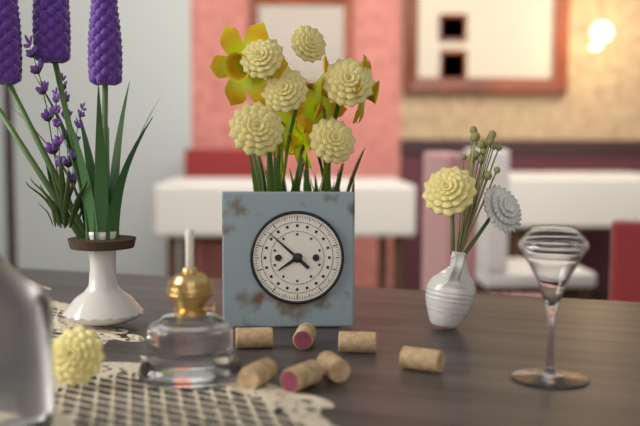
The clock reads {"hour": 7, "minute": 52}
